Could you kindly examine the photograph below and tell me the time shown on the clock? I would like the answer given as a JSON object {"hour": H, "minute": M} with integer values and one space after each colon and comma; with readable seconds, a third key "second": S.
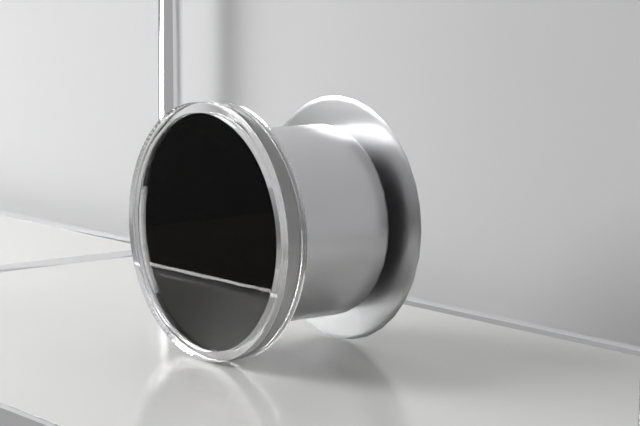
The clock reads {"hour": 9, "minute": 2, "second": 22}
